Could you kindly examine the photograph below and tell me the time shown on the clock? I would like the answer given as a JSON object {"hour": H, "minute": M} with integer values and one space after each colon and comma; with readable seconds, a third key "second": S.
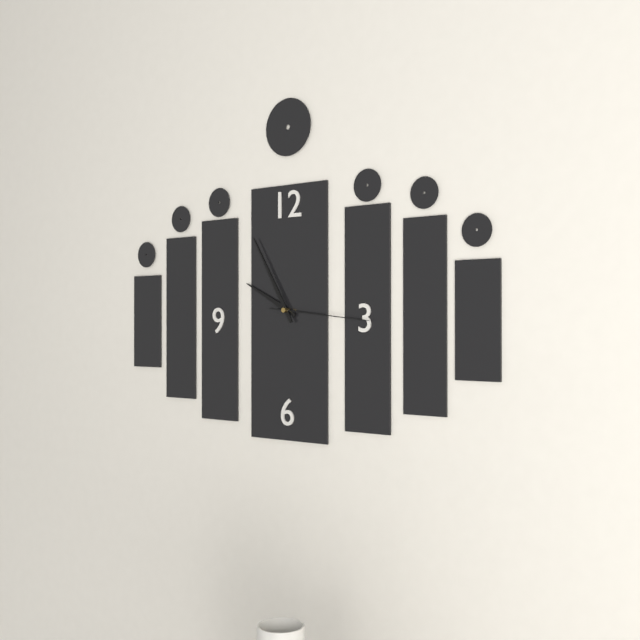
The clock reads {"hour": 9, "minute": 55, "second": 16}
